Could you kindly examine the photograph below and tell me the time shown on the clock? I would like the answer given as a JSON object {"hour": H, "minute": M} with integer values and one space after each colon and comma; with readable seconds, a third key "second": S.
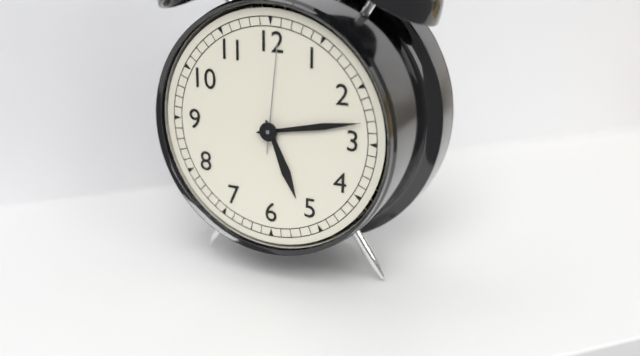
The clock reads {"hour": 5, "minute": 13, "second": 1}
